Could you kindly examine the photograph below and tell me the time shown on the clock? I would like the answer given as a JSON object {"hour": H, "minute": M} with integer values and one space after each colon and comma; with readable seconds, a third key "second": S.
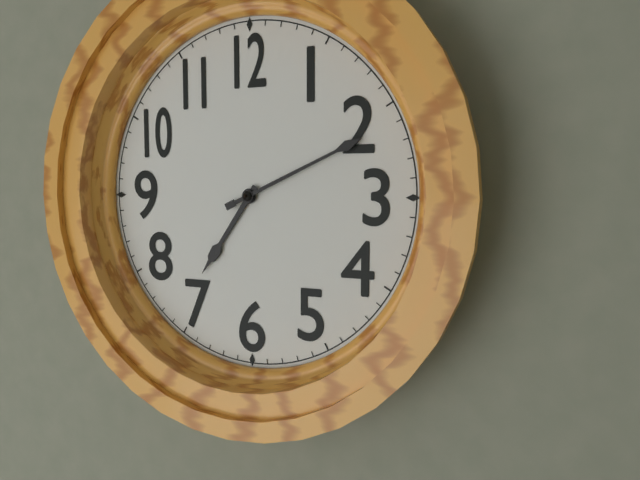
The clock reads {"hour": 7, "minute": 11}
